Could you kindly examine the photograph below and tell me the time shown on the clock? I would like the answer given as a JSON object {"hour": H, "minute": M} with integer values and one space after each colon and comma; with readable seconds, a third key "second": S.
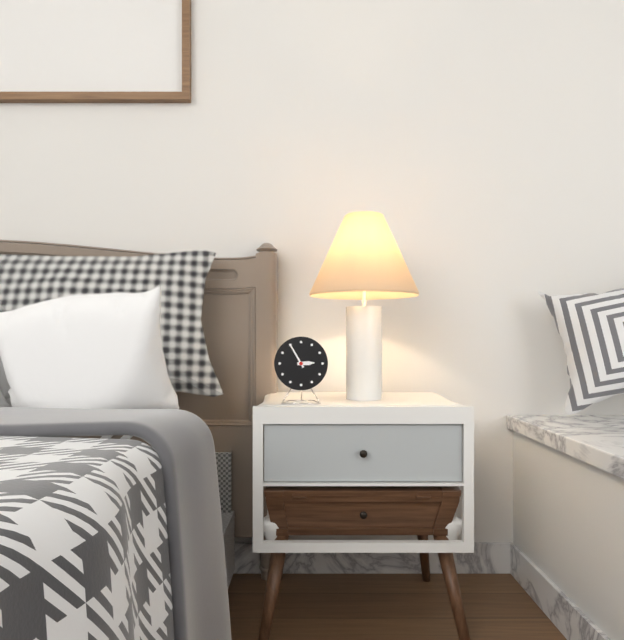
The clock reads {"hour": 2, "minute": 55}
